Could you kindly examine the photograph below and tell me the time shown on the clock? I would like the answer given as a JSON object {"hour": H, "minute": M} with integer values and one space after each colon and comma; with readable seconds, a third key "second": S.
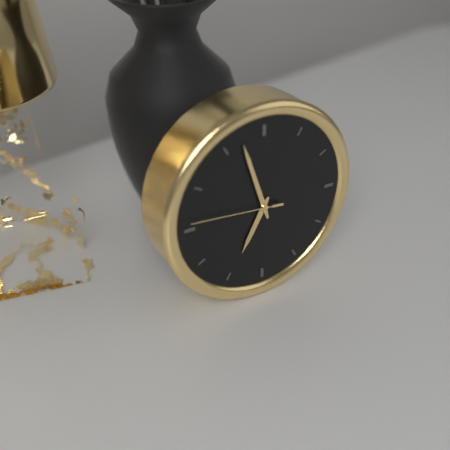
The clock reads {"hour": 6, "minute": 57, "second": 46}
